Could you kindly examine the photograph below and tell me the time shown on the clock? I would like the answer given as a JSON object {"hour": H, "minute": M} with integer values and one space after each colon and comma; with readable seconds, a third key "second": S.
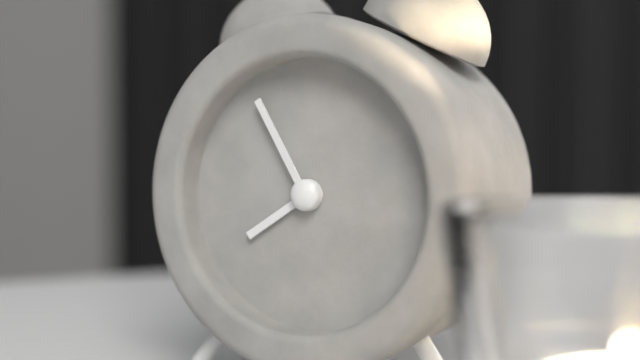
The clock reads {"hour": 7, "minute": 55}
